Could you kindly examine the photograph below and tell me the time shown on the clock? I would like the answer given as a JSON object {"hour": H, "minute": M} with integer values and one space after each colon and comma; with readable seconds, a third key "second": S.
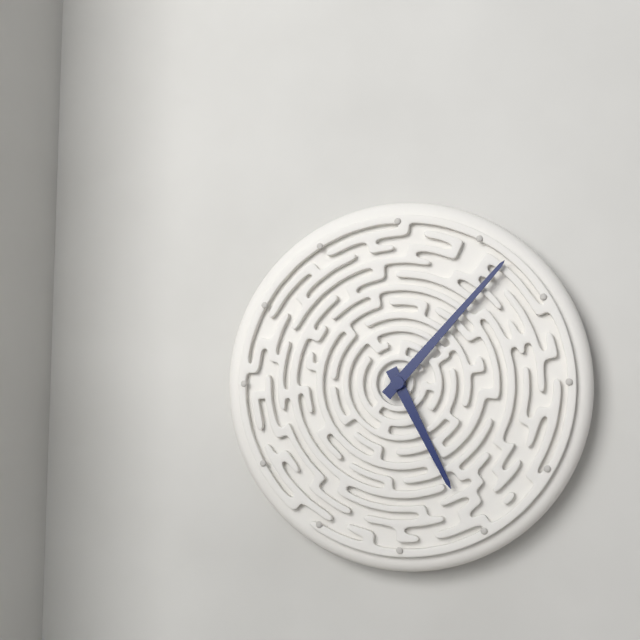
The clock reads {"hour": 5, "minute": 7}
